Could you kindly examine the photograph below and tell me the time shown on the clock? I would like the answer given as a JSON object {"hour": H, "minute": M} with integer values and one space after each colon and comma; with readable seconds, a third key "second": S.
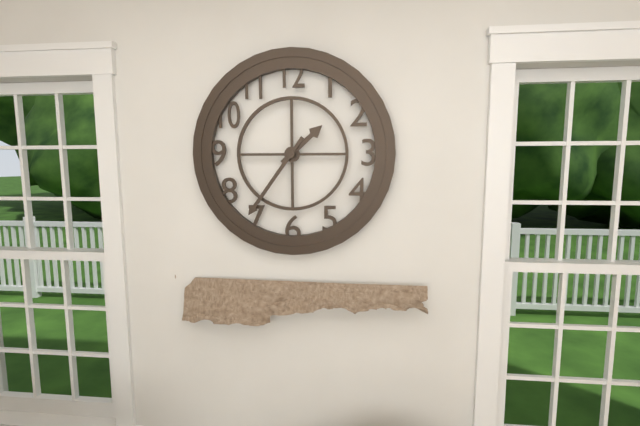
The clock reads {"hour": 1, "minute": 36}
